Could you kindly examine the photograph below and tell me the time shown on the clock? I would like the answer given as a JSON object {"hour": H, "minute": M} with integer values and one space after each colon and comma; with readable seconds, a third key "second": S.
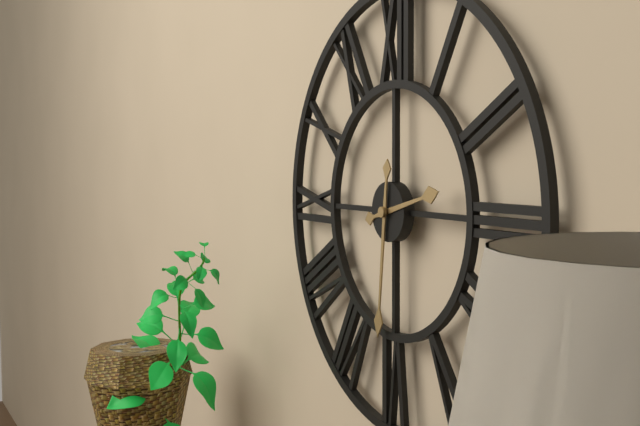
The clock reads {"hour": 2, "minute": 31}
